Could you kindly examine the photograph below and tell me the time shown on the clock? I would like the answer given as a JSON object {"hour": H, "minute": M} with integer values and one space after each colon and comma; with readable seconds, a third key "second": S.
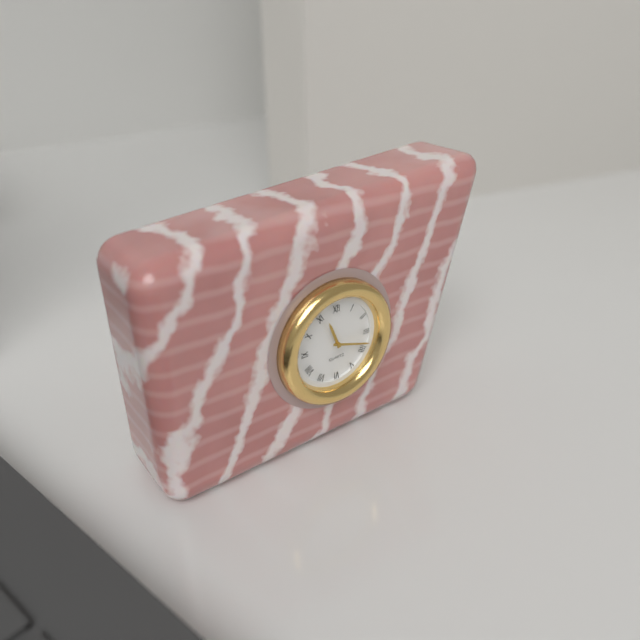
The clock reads {"hour": 11, "minute": 18}
